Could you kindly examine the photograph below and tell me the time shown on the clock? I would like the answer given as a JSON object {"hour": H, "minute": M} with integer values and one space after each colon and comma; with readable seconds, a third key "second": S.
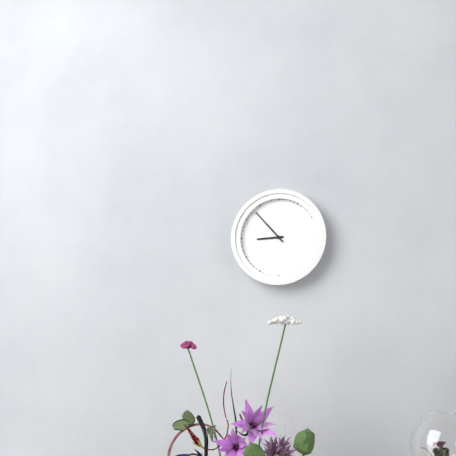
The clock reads {"hour": 8, "minute": 53}
